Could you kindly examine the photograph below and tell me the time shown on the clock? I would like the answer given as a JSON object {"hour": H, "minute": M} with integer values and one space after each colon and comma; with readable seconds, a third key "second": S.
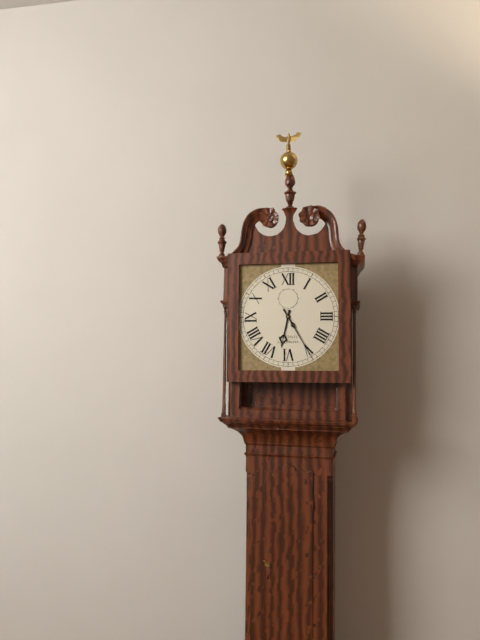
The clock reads {"hour": 6, "minute": 25}
